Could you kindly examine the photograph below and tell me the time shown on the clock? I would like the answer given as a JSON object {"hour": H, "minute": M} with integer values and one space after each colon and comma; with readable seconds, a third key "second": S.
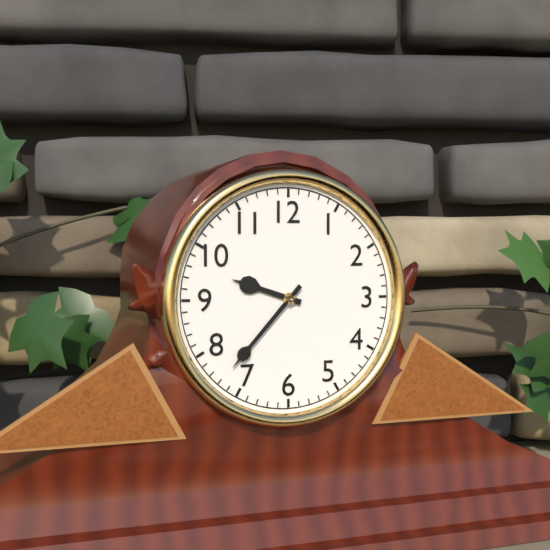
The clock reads {"hour": 9, "minute": 37}
